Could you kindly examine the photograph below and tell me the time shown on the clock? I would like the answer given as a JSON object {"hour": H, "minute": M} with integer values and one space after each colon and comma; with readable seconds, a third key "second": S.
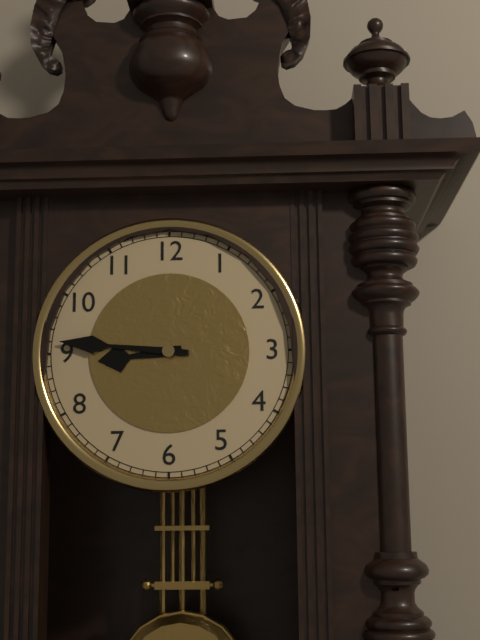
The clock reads {"hour": 8, "minute": 46}
